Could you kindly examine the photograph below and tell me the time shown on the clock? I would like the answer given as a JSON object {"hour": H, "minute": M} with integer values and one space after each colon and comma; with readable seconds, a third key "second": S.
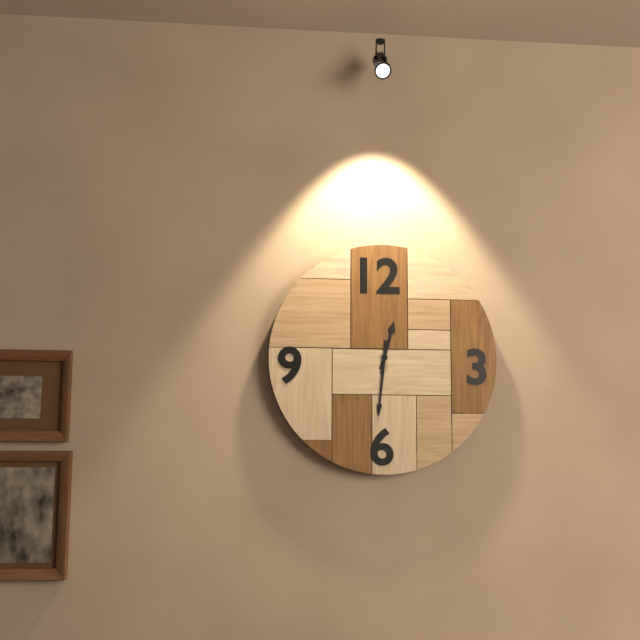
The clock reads {"hour": 12, "minute": 31}
